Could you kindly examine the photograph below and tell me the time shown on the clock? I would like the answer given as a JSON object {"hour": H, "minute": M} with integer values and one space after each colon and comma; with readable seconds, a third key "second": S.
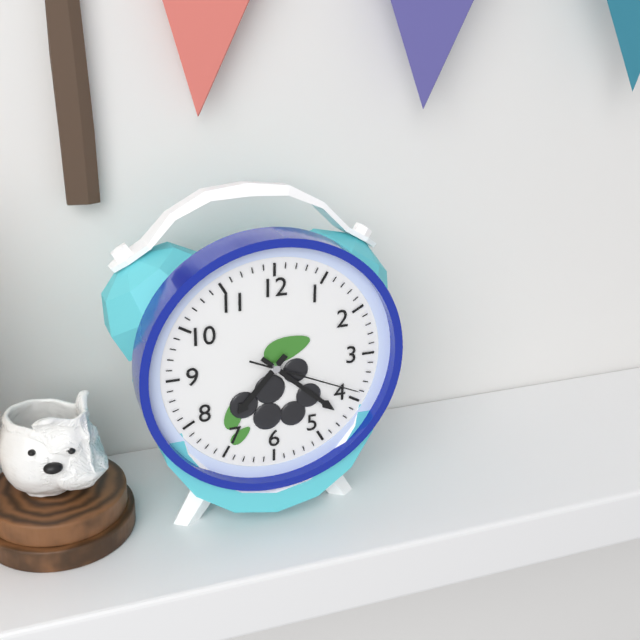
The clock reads {"hour": 7, "minute": 22, "second": 19}
